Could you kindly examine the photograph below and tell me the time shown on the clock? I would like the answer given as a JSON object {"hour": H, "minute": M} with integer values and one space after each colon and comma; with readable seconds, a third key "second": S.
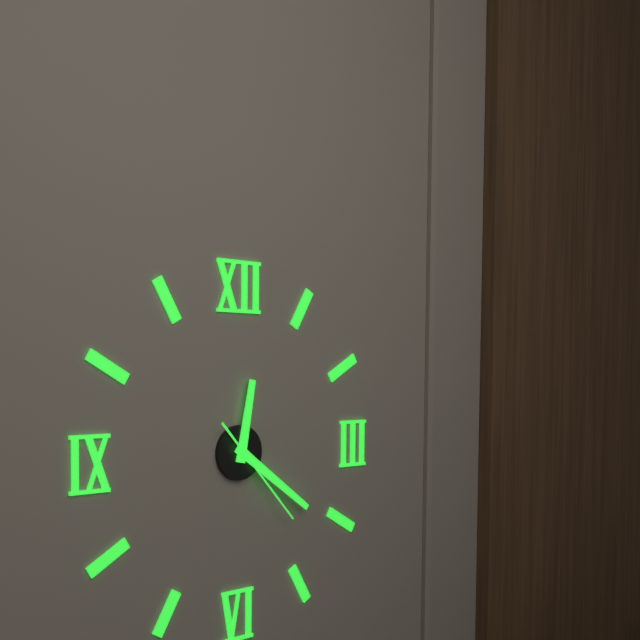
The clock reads {"hour": 12, "minute": 21, "second": 23}
